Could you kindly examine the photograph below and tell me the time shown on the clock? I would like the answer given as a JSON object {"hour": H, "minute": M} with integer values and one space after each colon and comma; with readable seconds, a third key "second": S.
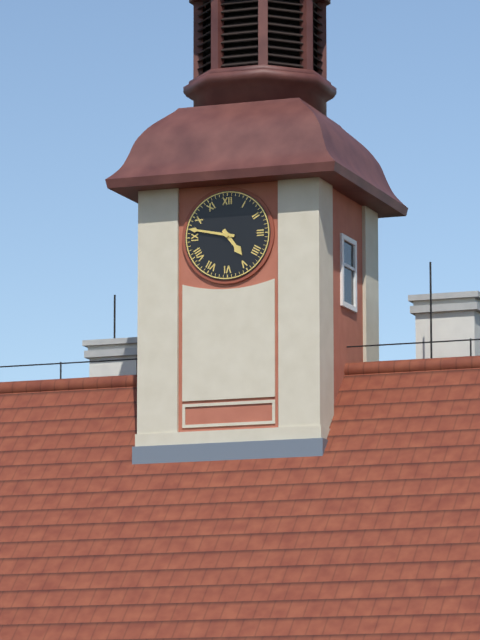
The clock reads {"hour": 4, "minute": 47}
